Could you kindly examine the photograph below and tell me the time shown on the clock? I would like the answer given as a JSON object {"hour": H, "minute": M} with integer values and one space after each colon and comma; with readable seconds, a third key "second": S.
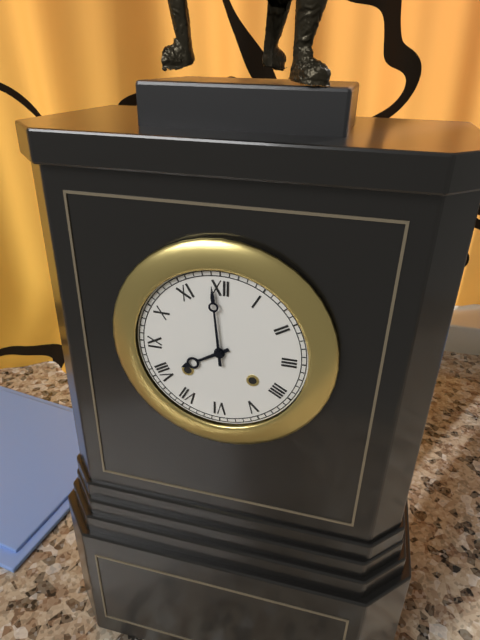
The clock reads {"hour": 7, "minute": 59}
